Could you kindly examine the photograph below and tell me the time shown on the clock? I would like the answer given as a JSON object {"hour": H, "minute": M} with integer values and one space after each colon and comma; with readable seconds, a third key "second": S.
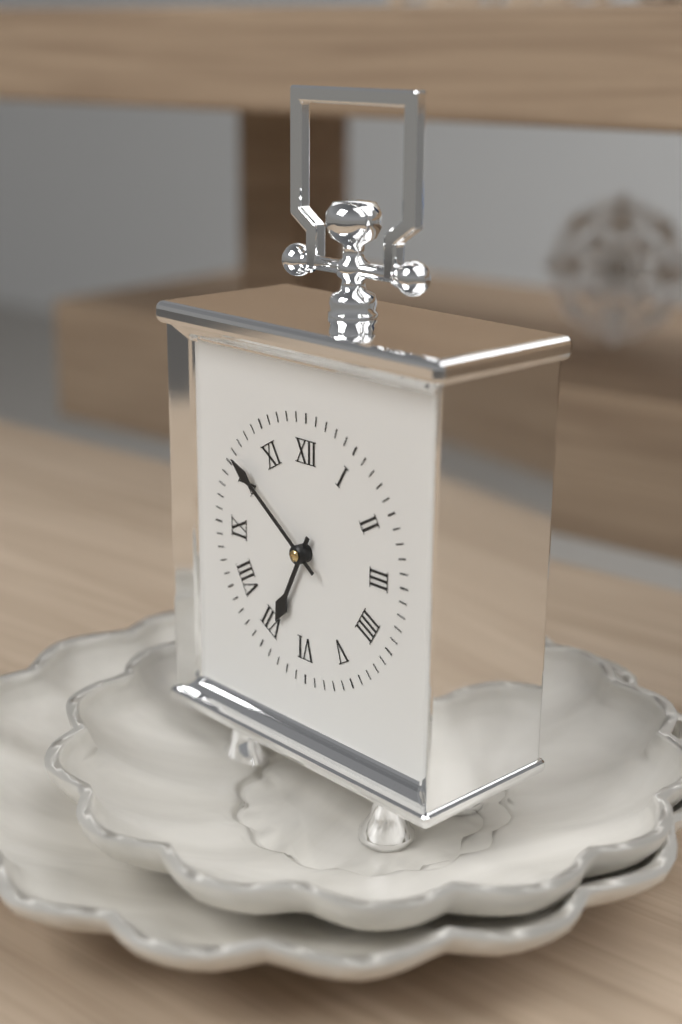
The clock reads {"hour": 6, "minute": 51}
